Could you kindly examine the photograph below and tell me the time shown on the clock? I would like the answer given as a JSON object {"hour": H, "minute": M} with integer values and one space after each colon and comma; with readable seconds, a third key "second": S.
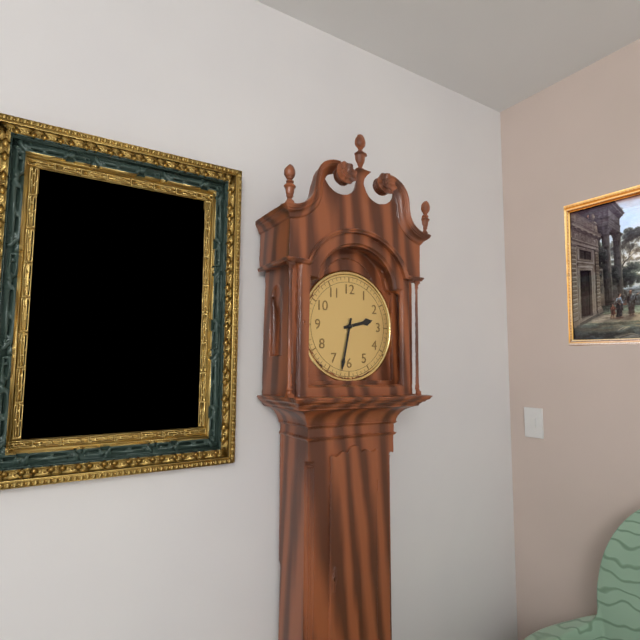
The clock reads {"hour": 2, "minute": 32}
